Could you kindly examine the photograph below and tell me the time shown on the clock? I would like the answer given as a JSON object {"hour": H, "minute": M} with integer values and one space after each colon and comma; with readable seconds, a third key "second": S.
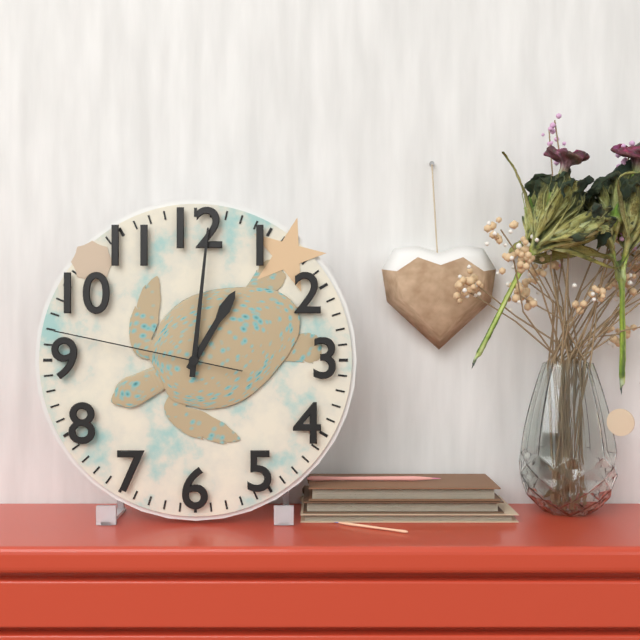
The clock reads {"hour": 1, "minute": 1, "second": 47}
